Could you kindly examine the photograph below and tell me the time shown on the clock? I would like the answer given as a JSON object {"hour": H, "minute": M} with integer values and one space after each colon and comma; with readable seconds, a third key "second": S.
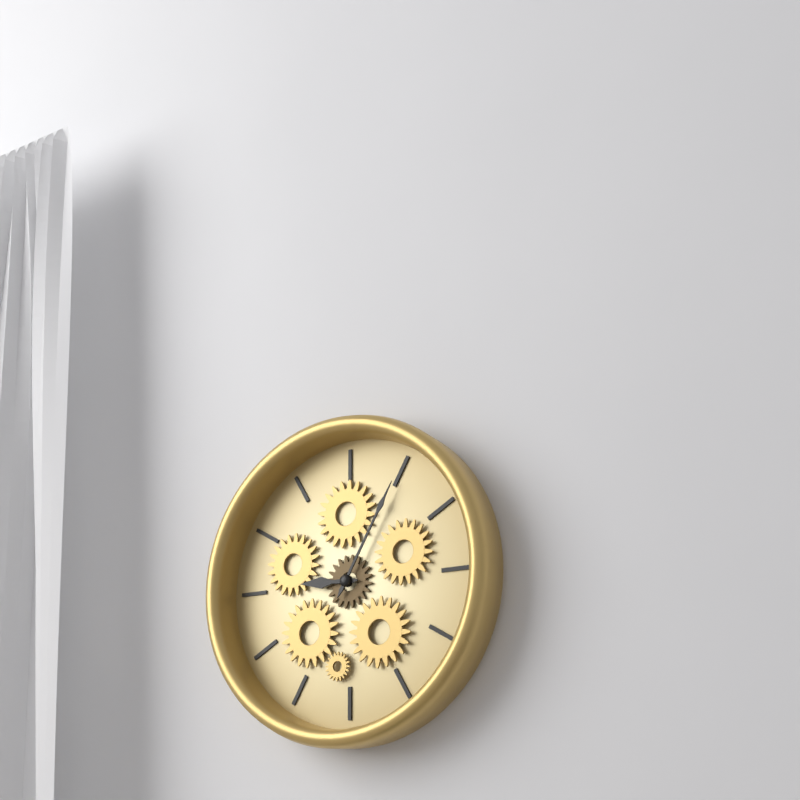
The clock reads {"hour": 9, "minute": 5}
